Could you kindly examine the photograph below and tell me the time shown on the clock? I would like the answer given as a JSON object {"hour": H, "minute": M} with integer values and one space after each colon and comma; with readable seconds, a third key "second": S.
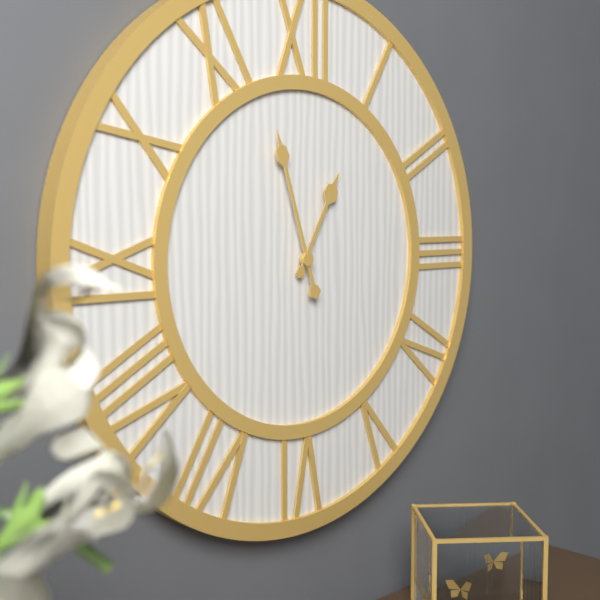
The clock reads {"hour": 12, "minute": 57}
